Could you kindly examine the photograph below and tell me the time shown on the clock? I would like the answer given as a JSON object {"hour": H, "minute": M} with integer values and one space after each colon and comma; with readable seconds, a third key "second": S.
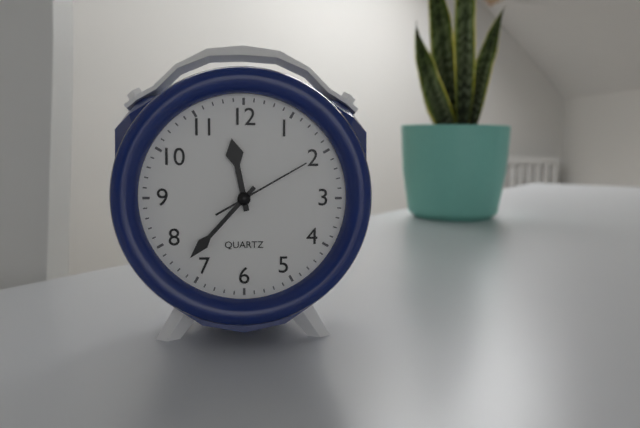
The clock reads {"hour": 11, "minute": 37, "second": 10}
